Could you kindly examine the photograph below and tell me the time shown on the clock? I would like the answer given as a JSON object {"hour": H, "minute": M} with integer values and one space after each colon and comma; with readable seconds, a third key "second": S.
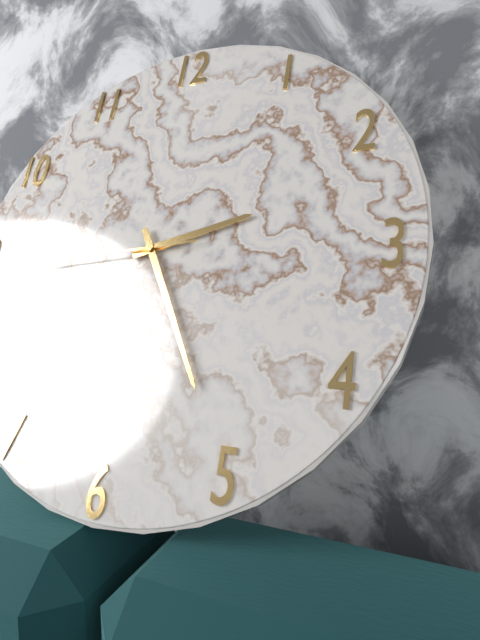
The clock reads {"hour": 2, "minute": 25, "second": 44}
